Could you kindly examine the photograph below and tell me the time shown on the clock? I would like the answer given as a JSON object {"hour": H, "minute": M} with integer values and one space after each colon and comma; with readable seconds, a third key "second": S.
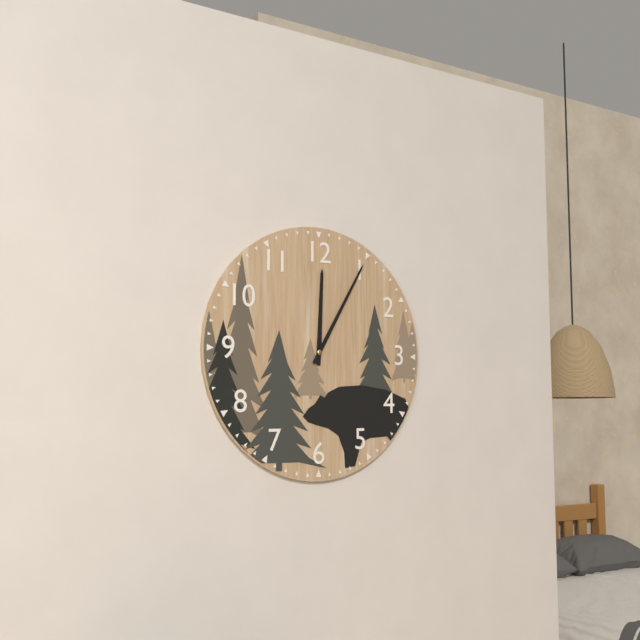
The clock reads {"hour": 12, "minute": 5}
